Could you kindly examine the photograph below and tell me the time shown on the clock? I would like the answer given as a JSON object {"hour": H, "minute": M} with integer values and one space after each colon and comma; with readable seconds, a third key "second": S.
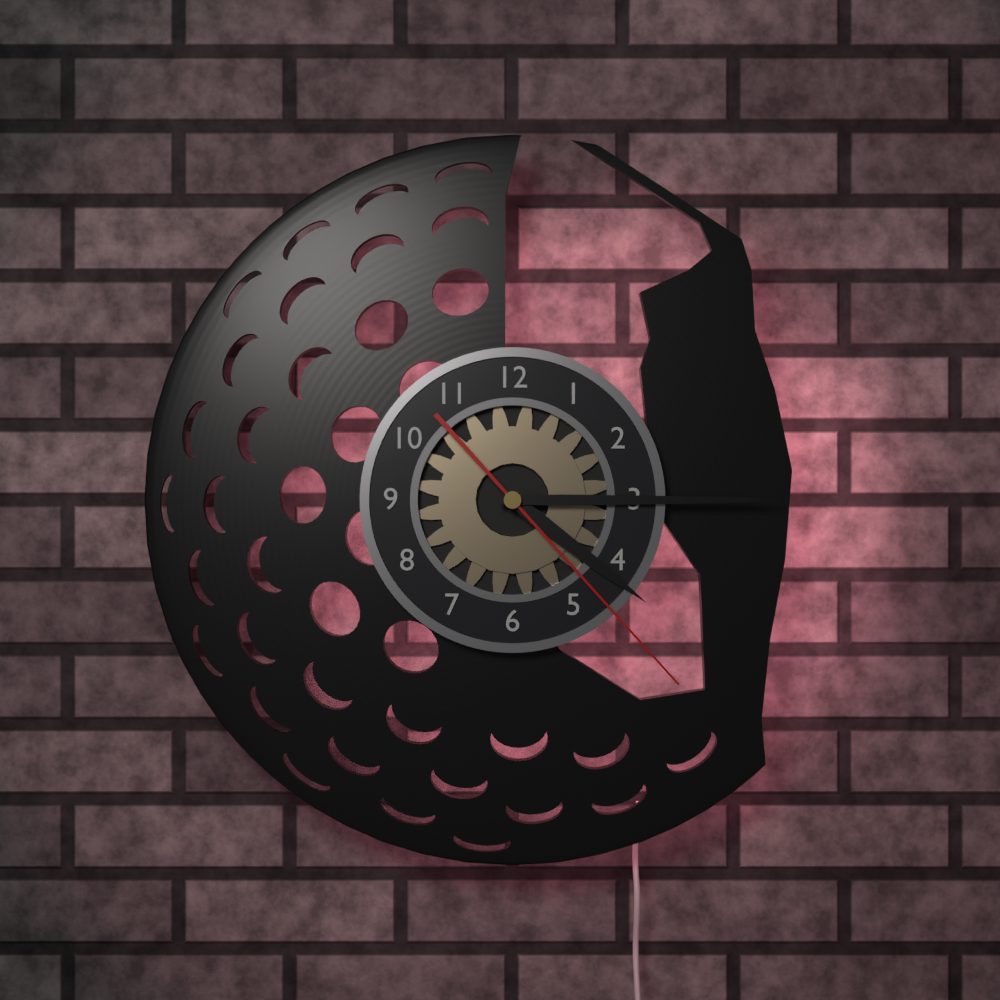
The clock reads {"hour": 4, "minute": 15, "second": 23}
